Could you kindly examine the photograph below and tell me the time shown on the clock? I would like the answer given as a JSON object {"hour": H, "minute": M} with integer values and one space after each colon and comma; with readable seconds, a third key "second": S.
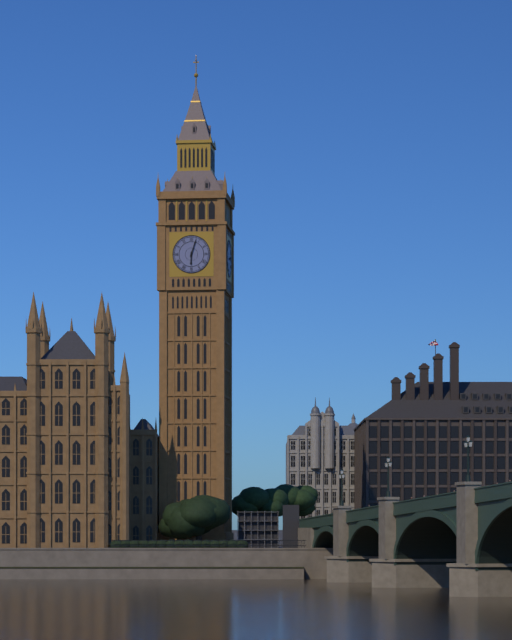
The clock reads {"hour": 6, "minute": 3}
